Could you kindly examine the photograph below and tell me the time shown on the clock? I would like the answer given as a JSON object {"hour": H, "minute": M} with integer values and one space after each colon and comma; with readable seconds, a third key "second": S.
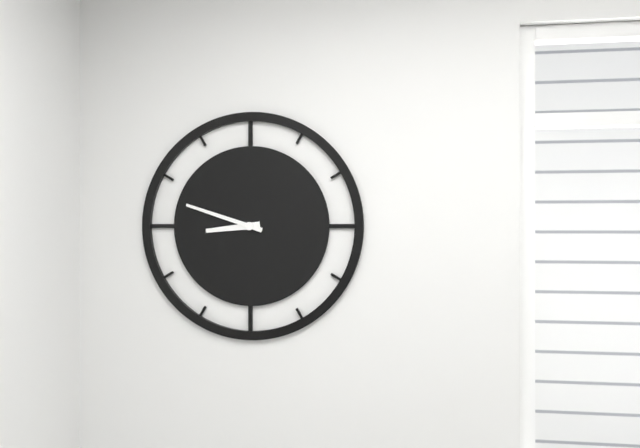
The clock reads {"hour": 8, "minute": 48}
